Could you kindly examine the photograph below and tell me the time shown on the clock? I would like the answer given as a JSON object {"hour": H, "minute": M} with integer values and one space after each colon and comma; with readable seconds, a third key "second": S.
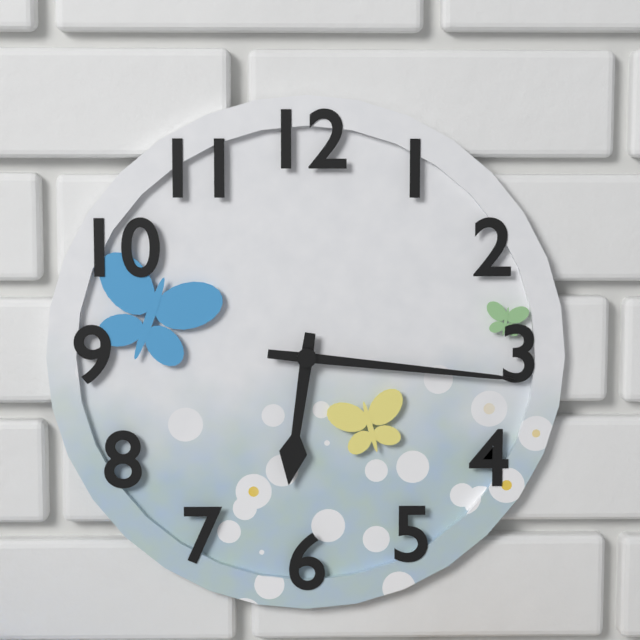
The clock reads {"hour": 6, "minute": 16}
